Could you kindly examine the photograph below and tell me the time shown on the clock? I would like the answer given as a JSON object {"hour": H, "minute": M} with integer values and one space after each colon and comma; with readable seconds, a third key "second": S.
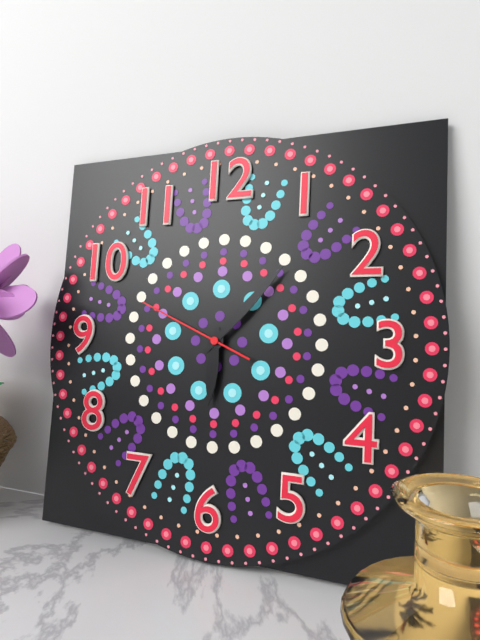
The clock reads {"hour": 6, "minute": 7, "second": 49}
